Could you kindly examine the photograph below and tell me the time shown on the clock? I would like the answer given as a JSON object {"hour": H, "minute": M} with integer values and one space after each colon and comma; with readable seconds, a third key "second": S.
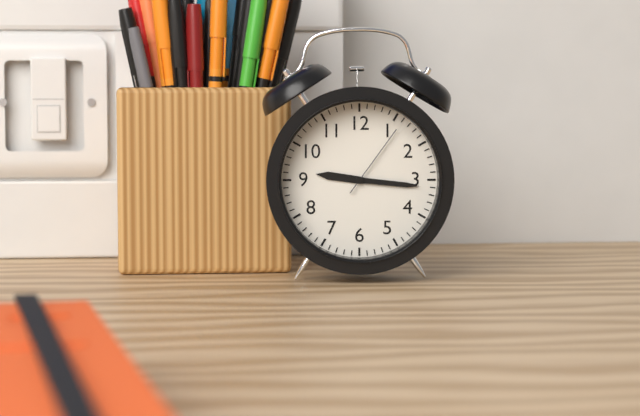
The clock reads {"hour": 9, "minute": 16, "second": 6}
